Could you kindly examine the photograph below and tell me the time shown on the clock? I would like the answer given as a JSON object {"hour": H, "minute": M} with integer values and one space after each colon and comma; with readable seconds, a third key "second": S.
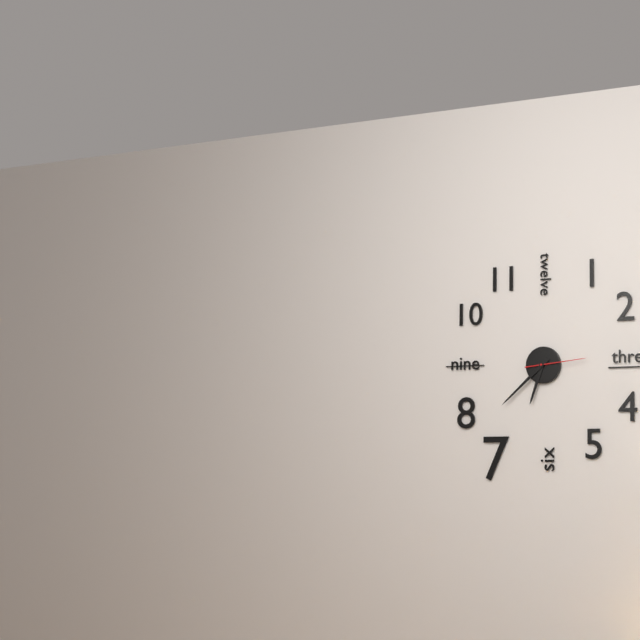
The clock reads {"hour": 6, "minute": 38, "second": 14}
